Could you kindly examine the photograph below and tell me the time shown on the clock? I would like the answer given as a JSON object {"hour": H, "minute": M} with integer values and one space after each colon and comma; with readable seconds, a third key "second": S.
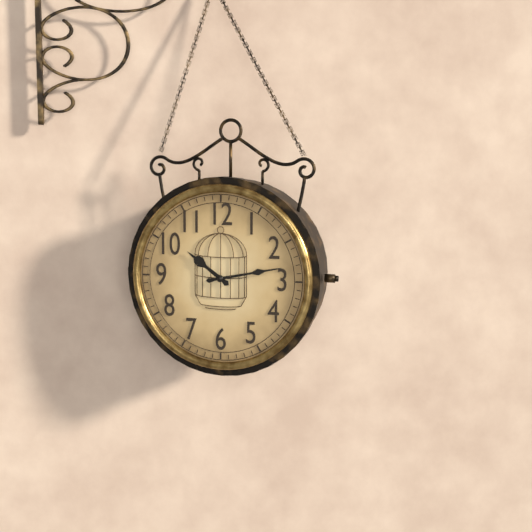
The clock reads {"hour": 10, "minute": 13}
